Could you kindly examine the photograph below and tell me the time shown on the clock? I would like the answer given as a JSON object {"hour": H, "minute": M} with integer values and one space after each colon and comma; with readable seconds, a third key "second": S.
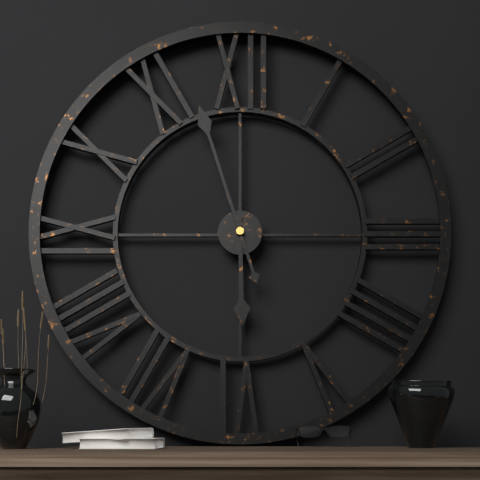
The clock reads {"hour": 5, "minute": 57}
